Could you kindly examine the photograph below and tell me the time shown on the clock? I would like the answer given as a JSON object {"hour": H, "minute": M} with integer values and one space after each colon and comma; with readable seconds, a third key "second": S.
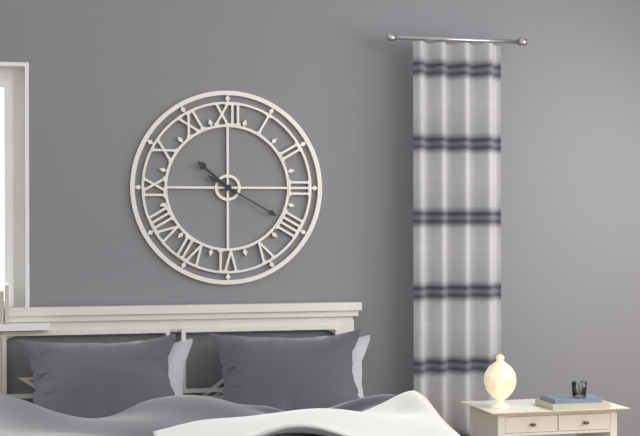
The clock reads {"hour": 10, "minute": 20}
